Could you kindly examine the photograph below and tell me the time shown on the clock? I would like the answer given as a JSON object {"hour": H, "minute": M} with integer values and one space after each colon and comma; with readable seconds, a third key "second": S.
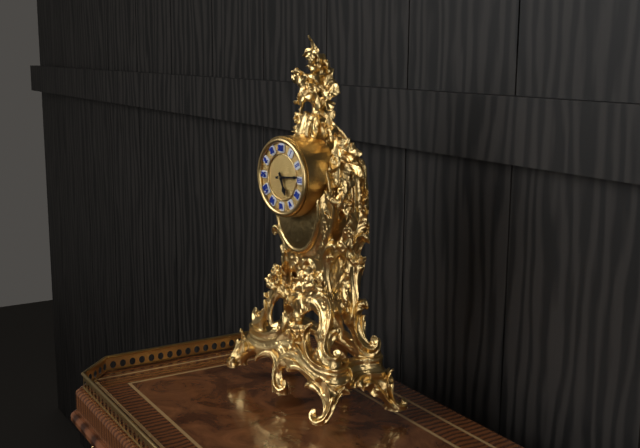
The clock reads {"hour": 5, "minute": 14}
